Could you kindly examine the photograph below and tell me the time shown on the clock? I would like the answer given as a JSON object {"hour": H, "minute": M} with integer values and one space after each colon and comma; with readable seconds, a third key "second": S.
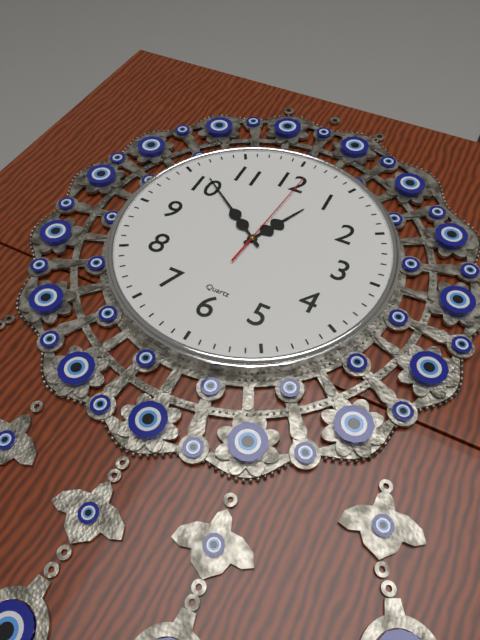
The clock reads {"hour": 12, "minute": 51, "second": 1}
